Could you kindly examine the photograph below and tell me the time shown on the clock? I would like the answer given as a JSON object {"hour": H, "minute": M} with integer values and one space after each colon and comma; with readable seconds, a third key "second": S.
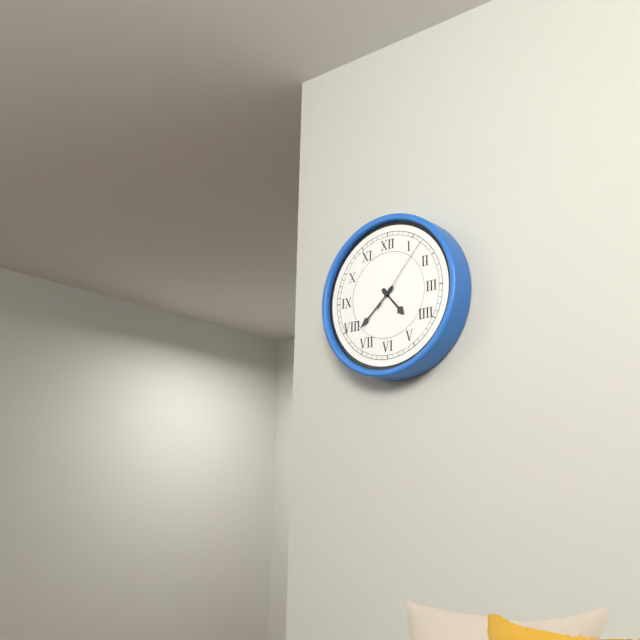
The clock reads {"hour": 4, "minute": 38, "second": 7}
